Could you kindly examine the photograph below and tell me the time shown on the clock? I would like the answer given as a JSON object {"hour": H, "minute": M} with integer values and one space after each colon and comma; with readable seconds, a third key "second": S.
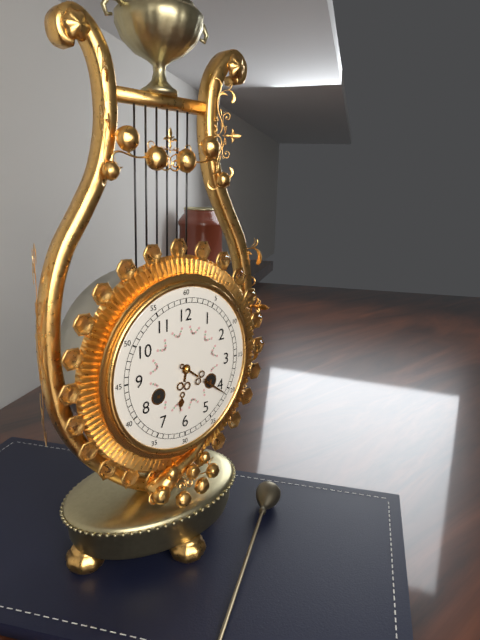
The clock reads {"hour": 6, "minute": 21}
